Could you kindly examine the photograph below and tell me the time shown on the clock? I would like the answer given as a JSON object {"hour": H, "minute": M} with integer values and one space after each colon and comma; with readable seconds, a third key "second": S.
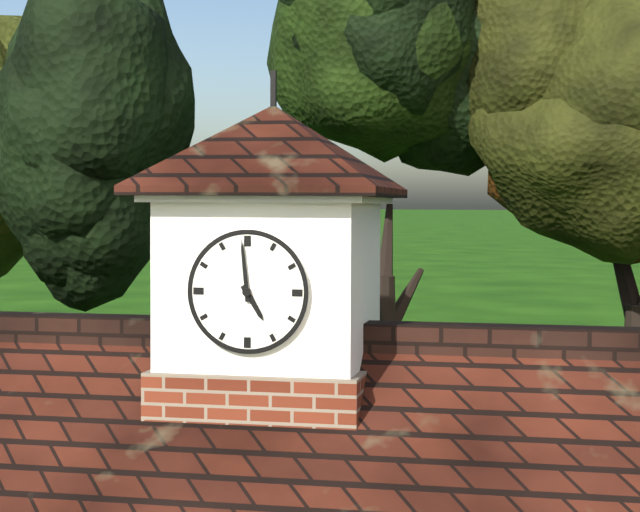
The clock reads {"hour": 4, "minute": 59}
